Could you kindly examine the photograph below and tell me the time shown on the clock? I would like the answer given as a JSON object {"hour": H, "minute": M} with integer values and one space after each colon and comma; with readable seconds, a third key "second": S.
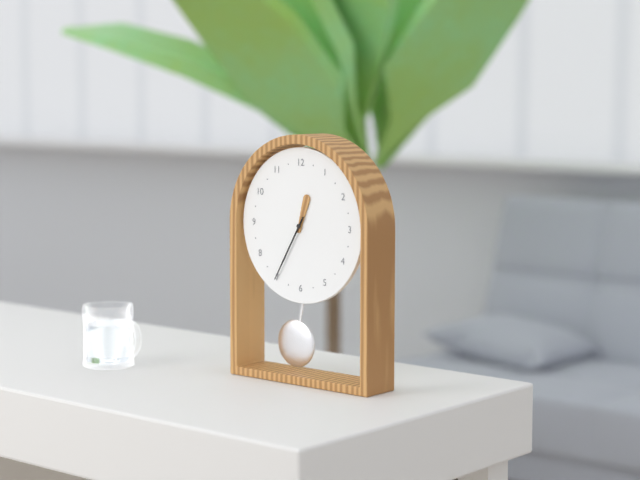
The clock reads {"hour": 12, "minute": 35}
